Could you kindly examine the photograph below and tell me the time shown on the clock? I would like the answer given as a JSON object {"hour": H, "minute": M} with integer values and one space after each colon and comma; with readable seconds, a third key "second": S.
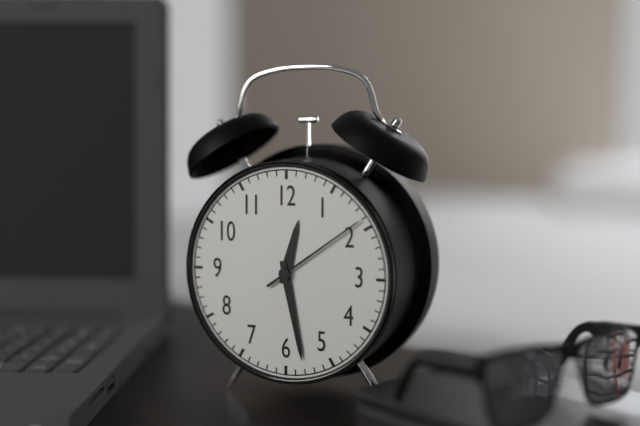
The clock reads {"hour": 12, "minute": 28, "second": 9}
